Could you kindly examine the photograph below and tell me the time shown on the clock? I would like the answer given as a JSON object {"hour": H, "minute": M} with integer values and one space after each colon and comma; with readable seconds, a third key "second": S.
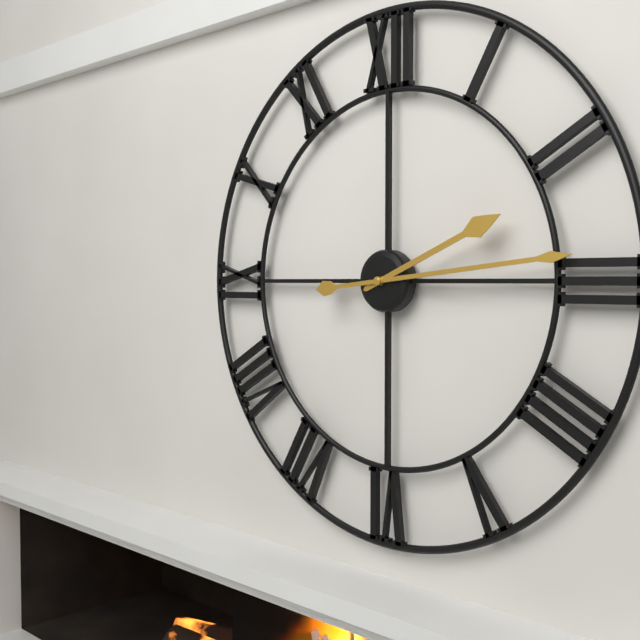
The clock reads {"hour": 2, "minute": 14}
